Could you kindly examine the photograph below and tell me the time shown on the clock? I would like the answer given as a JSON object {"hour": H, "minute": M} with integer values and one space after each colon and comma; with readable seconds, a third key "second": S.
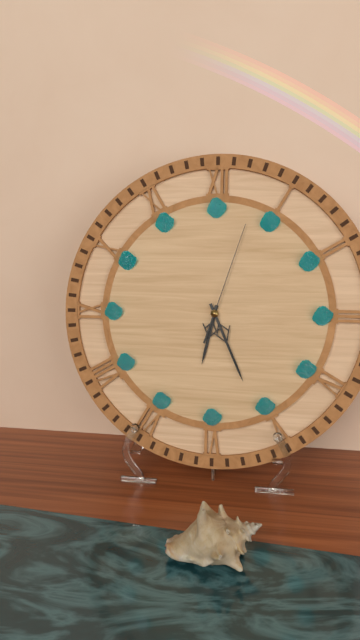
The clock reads {"hour": 6, "minute": 26, "second": 3}
